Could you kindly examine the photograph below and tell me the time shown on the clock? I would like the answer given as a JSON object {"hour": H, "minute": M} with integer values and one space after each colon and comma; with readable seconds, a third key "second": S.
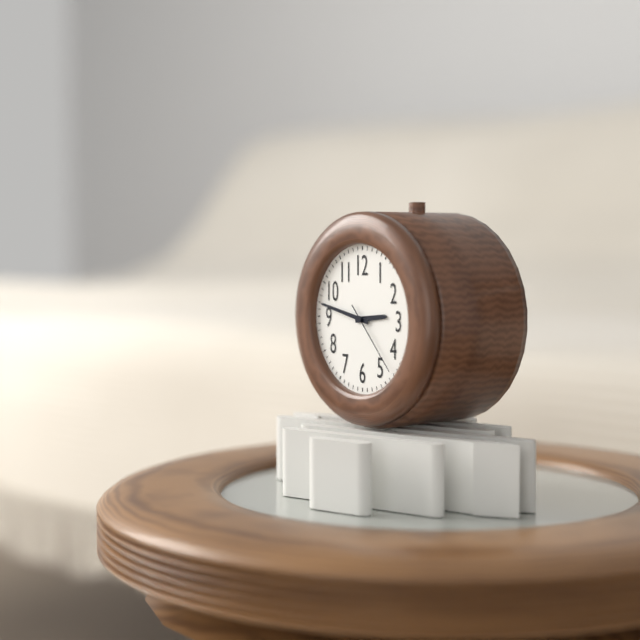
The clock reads {"hour": 2, "minute": 47, "second": 23}
